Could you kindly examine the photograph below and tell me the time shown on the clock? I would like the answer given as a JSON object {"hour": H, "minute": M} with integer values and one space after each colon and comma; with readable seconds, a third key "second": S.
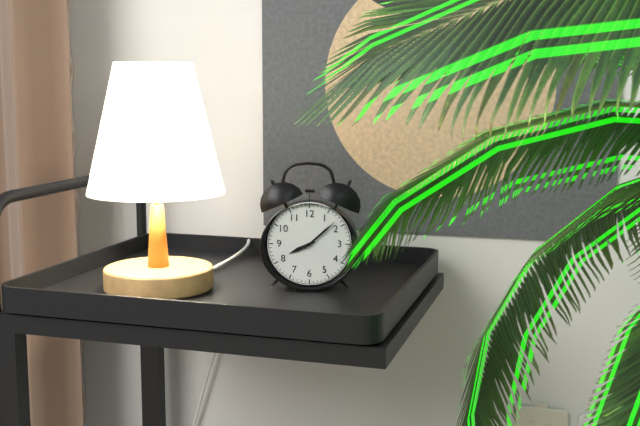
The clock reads {"hour": 8, "minute": 8}
